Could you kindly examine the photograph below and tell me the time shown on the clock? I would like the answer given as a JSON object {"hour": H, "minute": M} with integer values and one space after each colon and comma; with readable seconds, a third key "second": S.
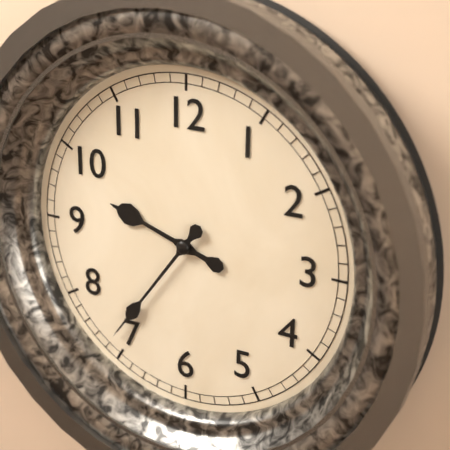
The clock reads {"hour": 9, "minute": 36}
